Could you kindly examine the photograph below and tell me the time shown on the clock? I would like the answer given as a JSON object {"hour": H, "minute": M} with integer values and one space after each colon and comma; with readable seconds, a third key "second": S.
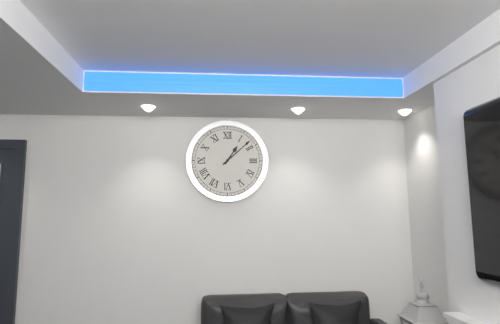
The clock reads {"hour": 1, "minute": 8}
